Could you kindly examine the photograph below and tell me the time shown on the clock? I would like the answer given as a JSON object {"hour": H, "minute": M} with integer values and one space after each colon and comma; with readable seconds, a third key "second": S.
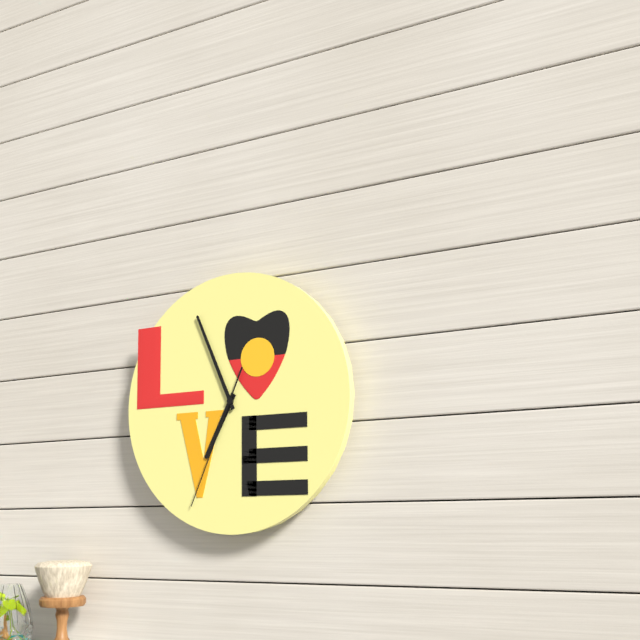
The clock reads {"hour": 6, "minute": 56, "second": 34}
